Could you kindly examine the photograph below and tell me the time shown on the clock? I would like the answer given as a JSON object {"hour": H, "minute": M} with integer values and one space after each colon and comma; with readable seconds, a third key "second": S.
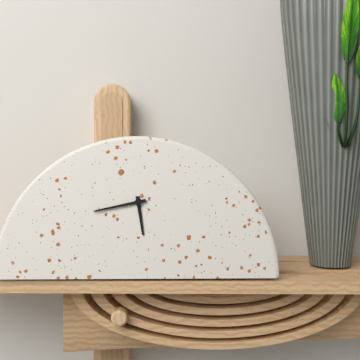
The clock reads {"hour": 5, "minute": 43}
